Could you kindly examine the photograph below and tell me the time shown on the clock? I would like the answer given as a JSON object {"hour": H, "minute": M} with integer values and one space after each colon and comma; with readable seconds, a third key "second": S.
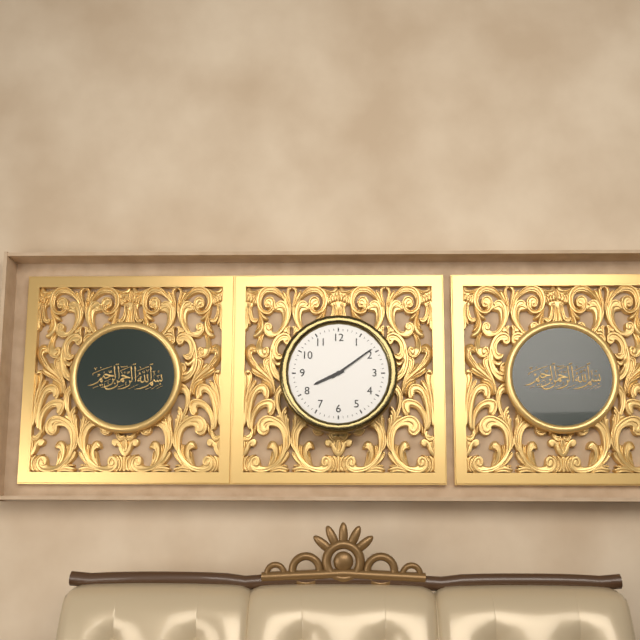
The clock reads {"hour": 8, "minute": 9}
